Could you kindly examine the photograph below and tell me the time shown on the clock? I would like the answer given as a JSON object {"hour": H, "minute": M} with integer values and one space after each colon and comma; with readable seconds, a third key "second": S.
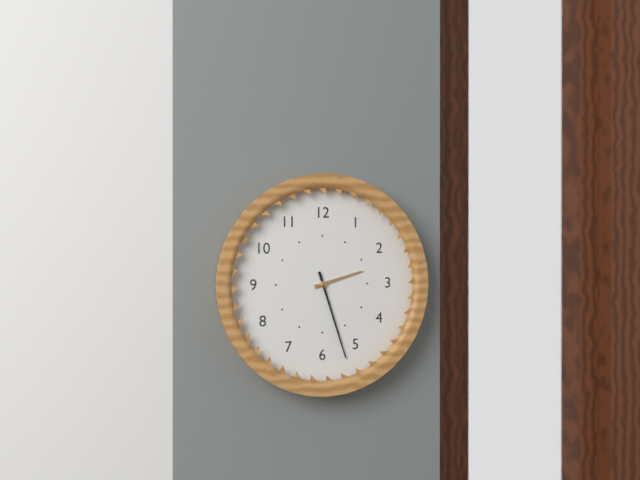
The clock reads {"hour": 2, "minute": 27}
